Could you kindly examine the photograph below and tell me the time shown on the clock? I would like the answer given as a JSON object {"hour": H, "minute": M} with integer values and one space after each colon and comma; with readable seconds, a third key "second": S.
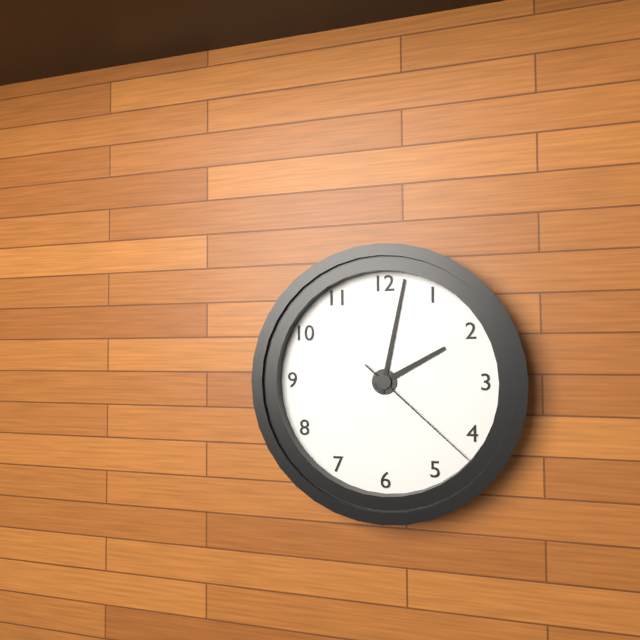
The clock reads {"hour": 2, "minute": 2, "second": 22}
